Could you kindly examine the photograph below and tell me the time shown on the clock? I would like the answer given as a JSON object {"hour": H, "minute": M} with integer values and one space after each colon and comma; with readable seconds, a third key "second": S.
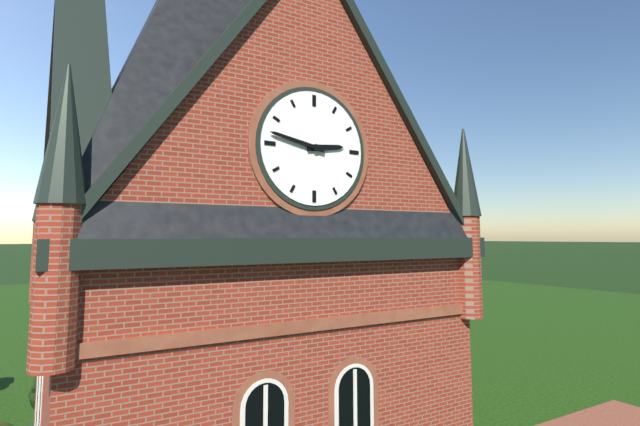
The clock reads {"hour": 2, "minute": 47}
